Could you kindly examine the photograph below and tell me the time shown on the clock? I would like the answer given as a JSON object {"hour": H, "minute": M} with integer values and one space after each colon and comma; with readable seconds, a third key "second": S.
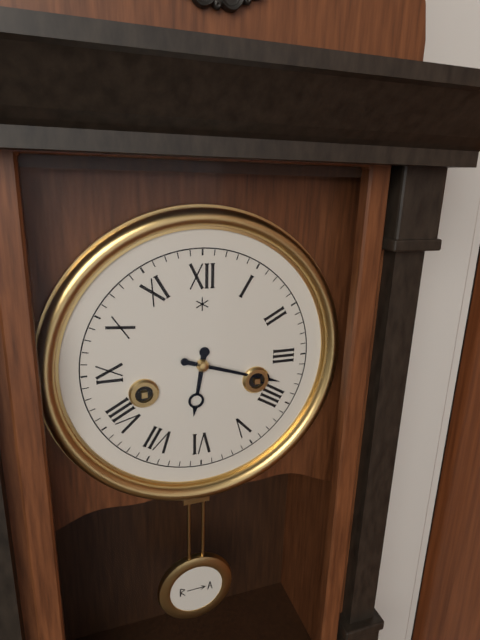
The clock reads {"hour": 6, "minute": 18}
